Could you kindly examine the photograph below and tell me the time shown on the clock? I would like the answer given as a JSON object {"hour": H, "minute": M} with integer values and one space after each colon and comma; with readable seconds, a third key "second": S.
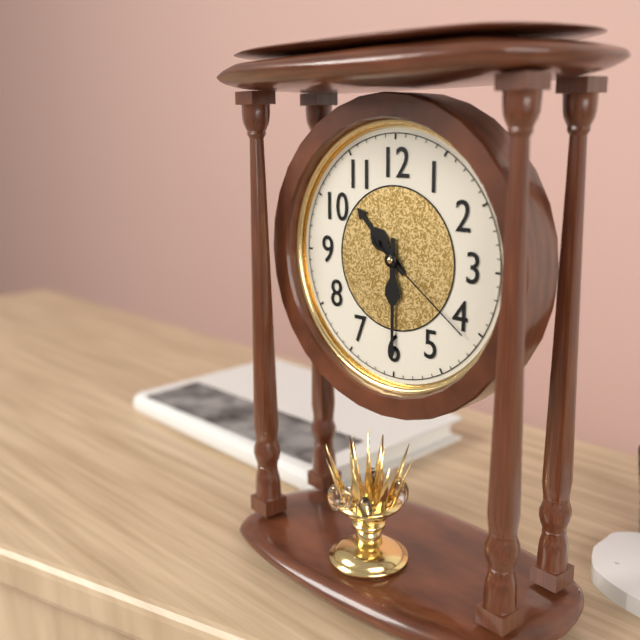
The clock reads {"hour": 10, "minute": 30, "second": 21}
